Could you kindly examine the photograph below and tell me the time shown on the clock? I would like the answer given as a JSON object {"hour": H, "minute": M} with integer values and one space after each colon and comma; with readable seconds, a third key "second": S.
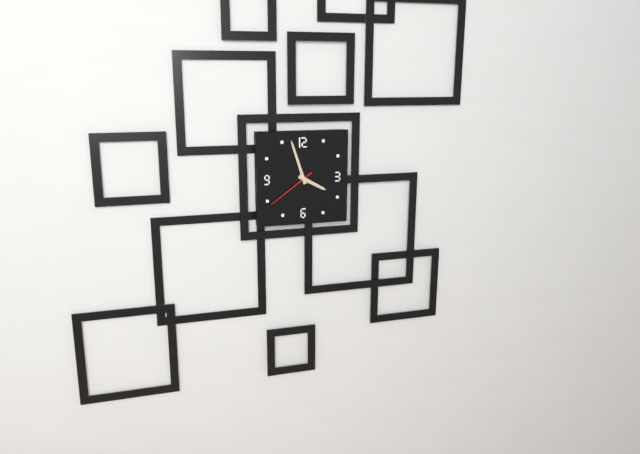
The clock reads {"hour": 3, "minute": 57, "second": 39}
